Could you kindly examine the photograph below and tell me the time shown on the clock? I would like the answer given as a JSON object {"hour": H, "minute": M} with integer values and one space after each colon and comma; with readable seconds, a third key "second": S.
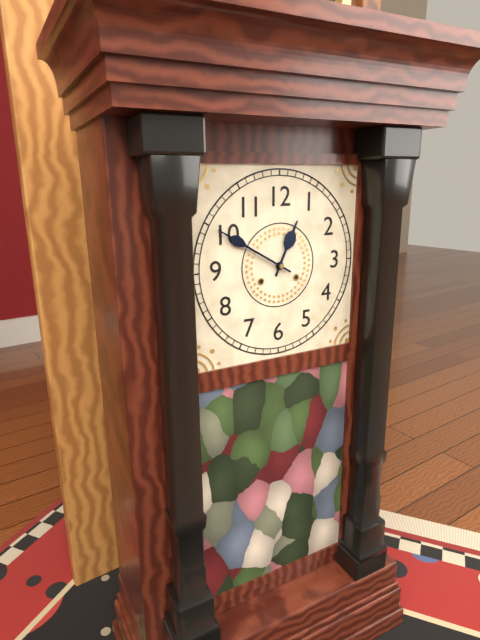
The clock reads {"hour": 12, "minute": 50}
